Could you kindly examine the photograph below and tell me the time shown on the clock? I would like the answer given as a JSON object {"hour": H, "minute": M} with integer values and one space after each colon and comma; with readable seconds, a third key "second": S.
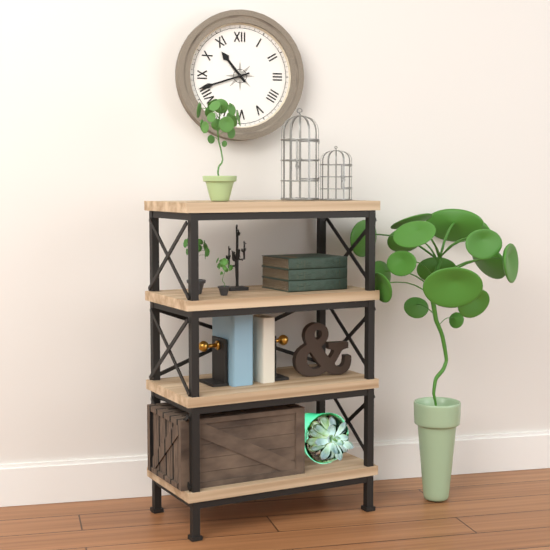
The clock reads {"hour": 10, "minute": 42}
